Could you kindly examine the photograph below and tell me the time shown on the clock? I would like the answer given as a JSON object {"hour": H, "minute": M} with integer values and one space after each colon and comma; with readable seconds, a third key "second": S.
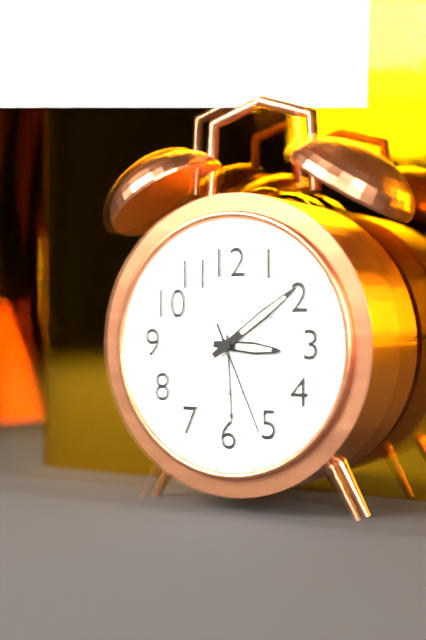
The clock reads {"hour": 3, "minute": 9, "second": 26}
